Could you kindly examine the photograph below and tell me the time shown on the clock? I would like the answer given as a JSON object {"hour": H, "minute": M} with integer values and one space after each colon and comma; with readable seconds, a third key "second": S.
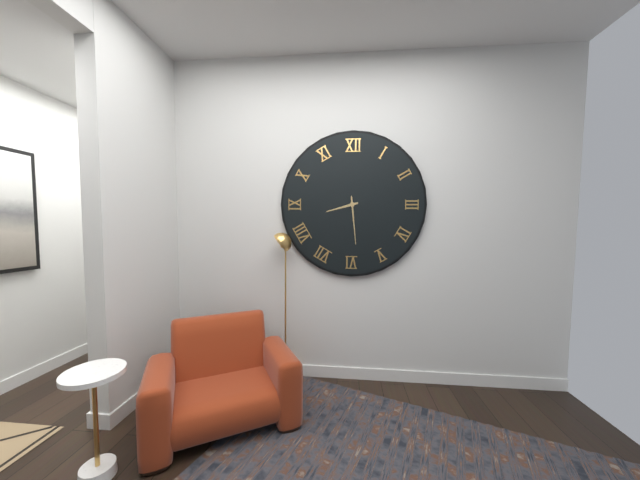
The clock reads {"hour": 8, "minute": 29}
